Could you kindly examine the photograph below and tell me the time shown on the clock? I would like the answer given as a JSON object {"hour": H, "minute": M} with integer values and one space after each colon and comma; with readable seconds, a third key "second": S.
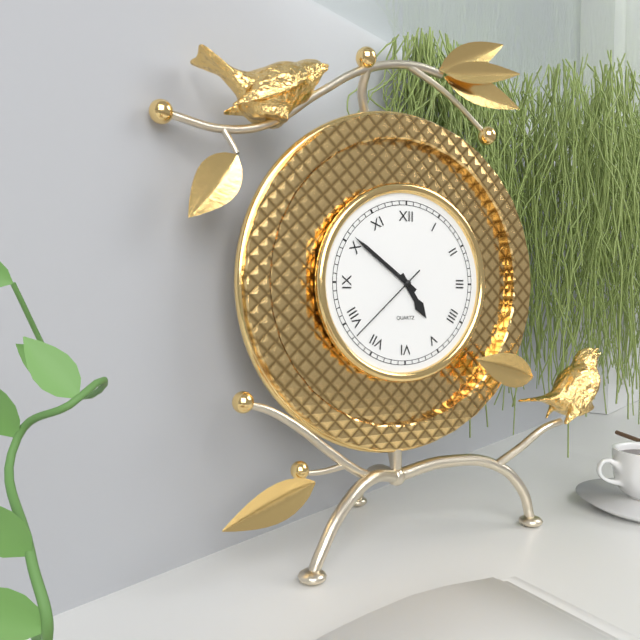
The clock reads {"hour": 4, "minute": 51, "second": 38}
